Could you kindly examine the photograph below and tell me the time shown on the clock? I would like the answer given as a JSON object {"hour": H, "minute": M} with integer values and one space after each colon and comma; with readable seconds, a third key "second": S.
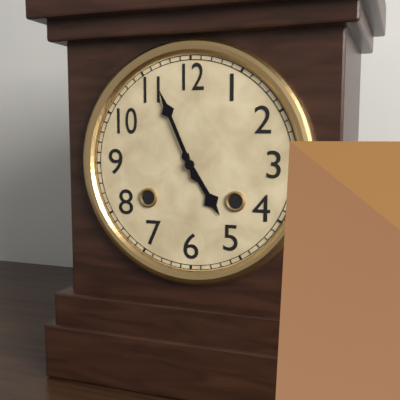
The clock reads {"hour": 4, "minute": 56}
